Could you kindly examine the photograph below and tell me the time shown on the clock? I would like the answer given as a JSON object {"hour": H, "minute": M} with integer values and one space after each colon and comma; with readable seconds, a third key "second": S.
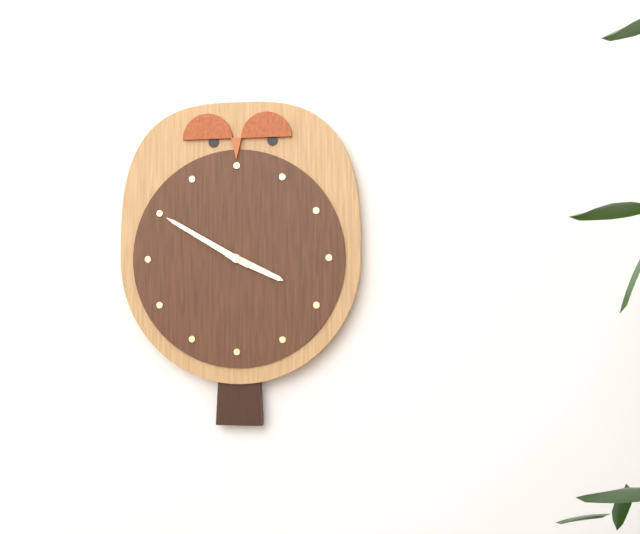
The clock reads {"hour": 3, "minute": 50}
